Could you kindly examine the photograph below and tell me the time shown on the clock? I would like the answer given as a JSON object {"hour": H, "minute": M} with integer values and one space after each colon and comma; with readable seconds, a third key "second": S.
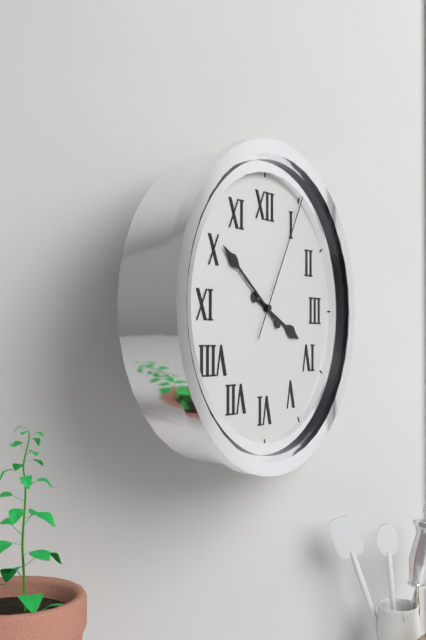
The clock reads {"hour": 3, "minute": 51, "second": 5}
